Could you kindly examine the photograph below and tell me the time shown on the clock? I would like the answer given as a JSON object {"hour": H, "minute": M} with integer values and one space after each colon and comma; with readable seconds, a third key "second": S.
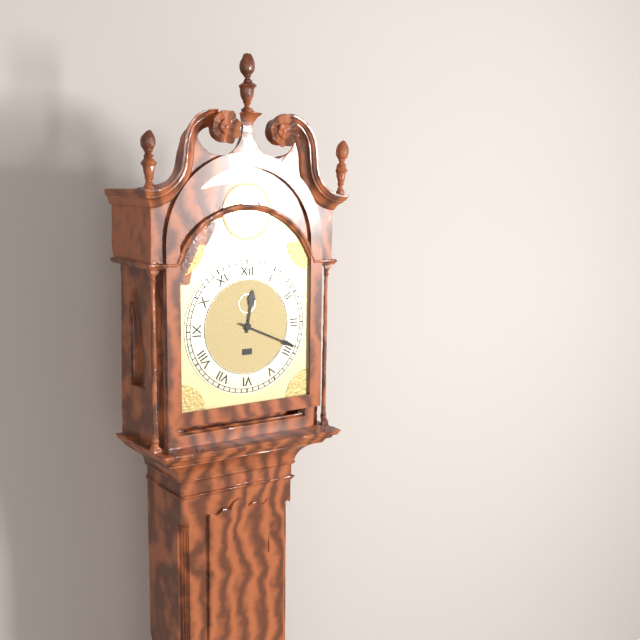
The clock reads {"hour": 12, "minute": 19}
